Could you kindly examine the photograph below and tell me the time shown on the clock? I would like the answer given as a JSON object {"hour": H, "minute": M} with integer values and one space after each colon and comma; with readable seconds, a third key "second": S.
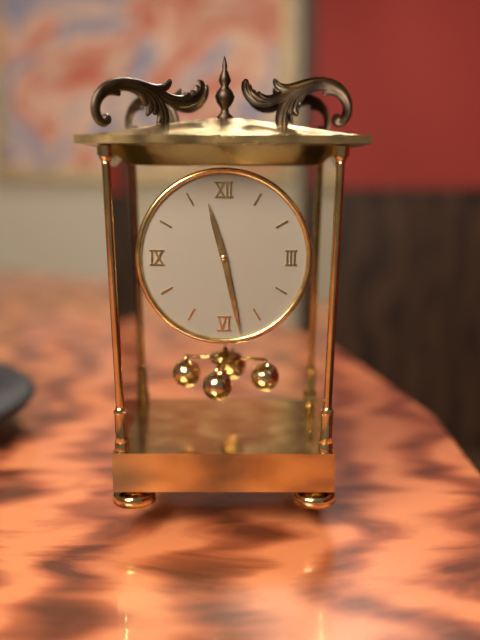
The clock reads {"hour": 11, "minute": 28}
